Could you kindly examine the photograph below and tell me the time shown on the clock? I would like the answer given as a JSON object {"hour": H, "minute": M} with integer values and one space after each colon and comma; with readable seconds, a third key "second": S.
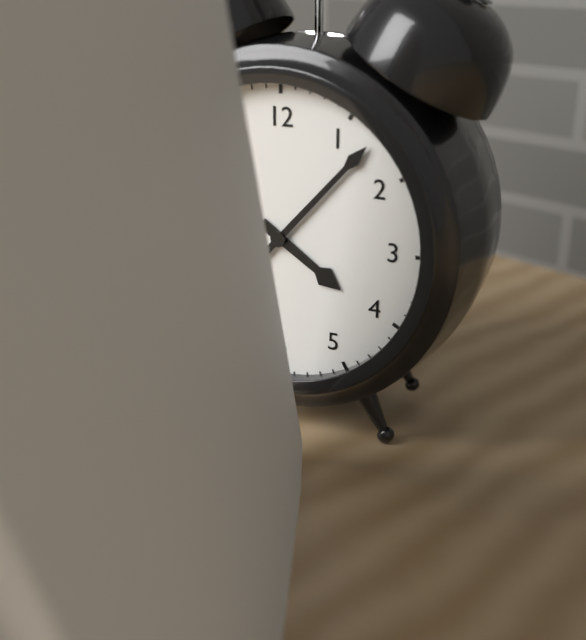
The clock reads {"hour": 4, "minute": 7}
